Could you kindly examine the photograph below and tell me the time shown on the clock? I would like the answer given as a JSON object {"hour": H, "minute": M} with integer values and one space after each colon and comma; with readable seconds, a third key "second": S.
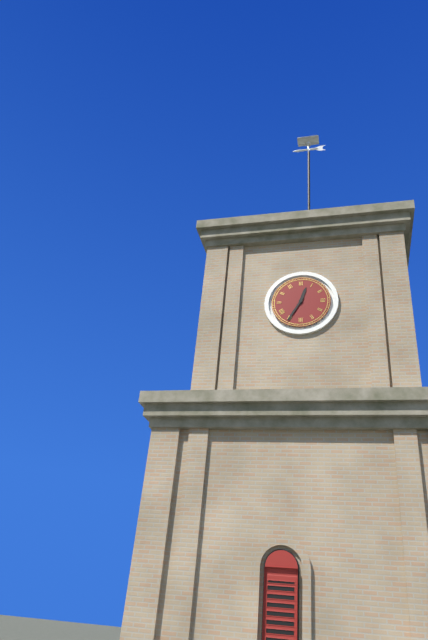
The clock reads {"hour": 12, "minute": 35}
